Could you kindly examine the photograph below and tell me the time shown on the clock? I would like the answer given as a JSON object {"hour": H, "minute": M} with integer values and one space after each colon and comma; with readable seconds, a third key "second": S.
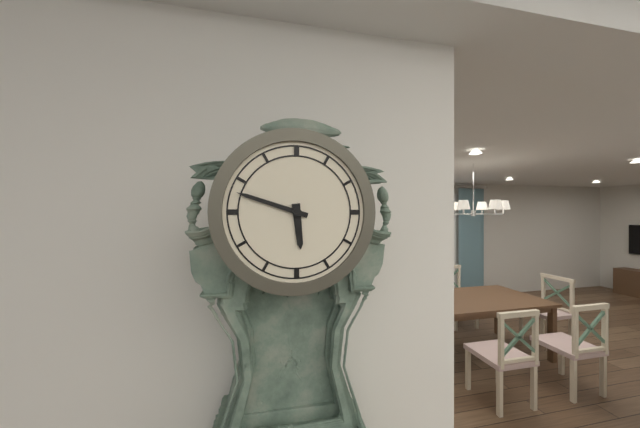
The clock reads {"hour": 5, "minute": 48}
